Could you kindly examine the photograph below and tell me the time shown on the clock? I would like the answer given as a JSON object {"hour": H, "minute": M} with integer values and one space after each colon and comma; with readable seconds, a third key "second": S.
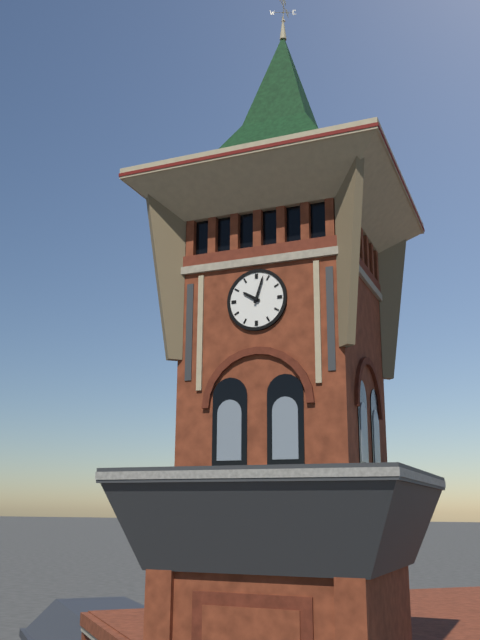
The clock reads {"hour": 10, "minute": 3}
